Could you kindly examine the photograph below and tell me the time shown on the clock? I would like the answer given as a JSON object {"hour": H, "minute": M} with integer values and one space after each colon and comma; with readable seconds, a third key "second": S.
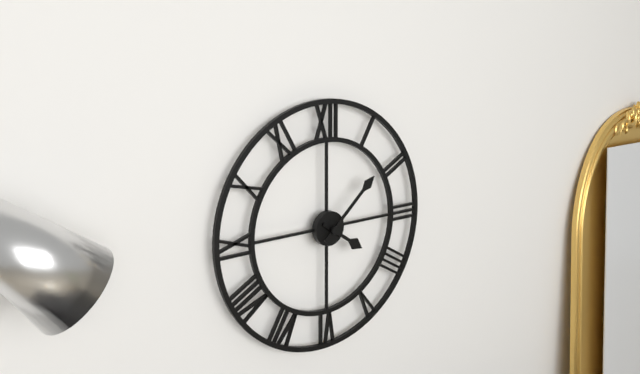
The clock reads {"hour": 4, "minute": 8}
